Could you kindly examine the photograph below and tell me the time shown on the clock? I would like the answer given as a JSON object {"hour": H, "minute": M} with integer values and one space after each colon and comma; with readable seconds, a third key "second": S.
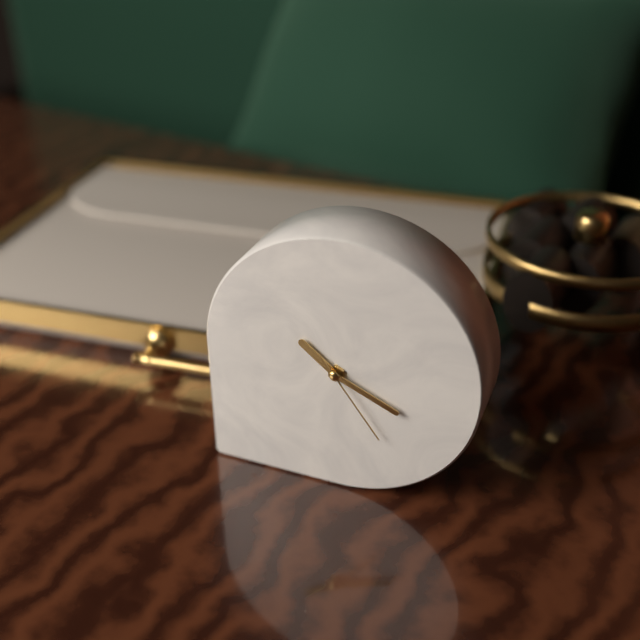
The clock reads {"hour": 10, "minute": 19, "second": 24}
